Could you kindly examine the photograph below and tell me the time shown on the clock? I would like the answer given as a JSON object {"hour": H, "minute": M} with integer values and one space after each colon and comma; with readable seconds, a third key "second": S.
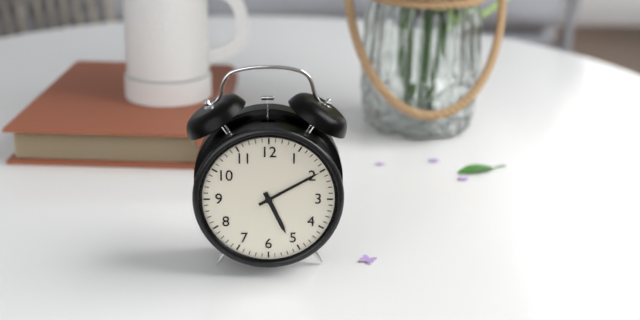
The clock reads {"hour": 5, "minute": 10}
